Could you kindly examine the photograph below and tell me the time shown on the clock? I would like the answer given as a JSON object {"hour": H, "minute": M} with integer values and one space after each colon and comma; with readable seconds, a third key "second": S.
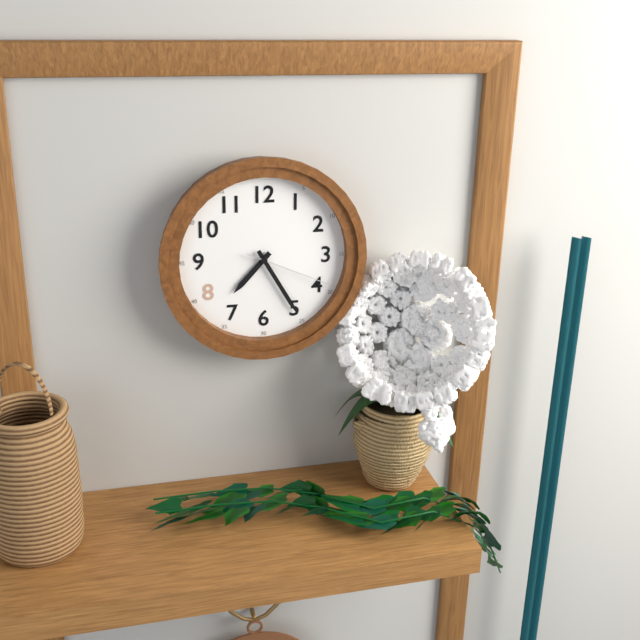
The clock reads {"hour": 7, "minute": 25, "second": 19}
